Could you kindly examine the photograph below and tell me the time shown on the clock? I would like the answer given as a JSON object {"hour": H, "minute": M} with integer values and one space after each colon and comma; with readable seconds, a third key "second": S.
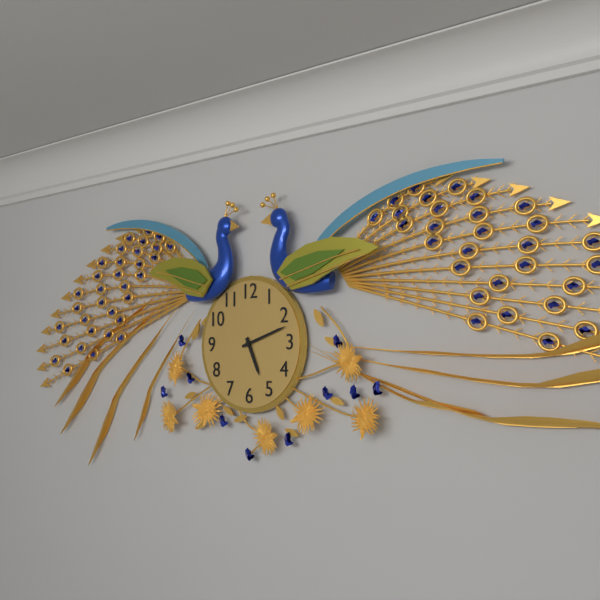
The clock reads {"hour": 5, "minute": 12}
